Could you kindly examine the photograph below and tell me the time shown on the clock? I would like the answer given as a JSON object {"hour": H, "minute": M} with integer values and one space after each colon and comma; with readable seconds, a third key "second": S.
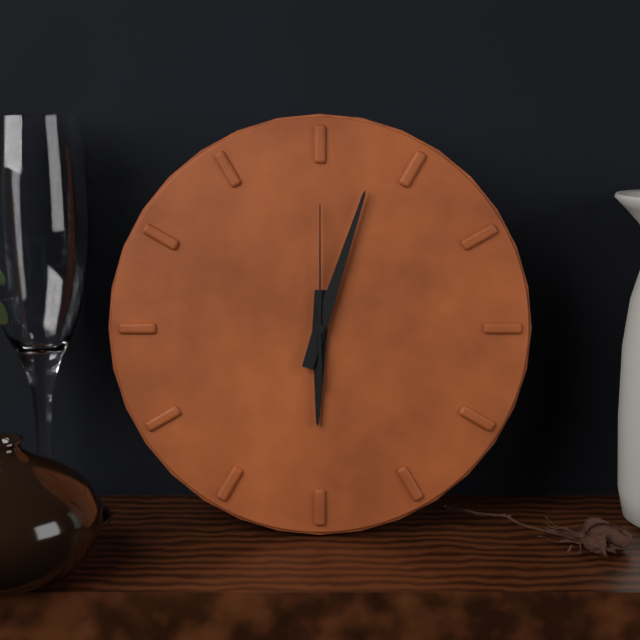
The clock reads {"hour": 6, "minute": 3, "second": 0}
